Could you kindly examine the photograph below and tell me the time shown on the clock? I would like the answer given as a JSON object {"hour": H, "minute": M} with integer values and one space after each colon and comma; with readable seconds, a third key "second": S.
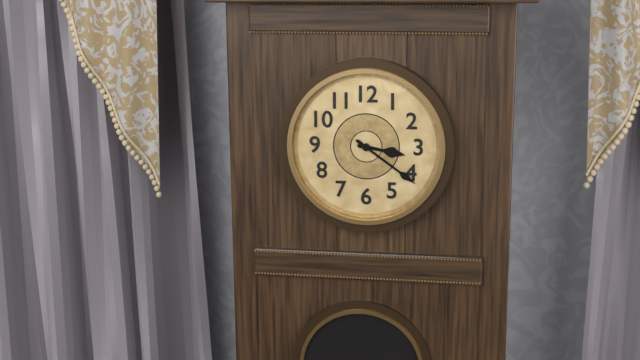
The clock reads {"hour": 3, "minute": 21}
